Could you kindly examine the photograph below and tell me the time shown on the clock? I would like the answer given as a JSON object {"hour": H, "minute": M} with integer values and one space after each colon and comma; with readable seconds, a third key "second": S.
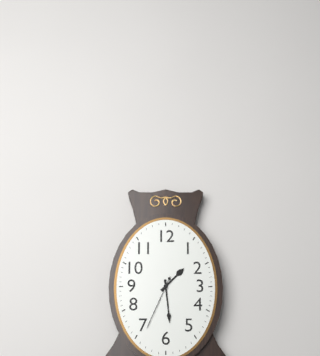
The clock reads {"hour": 1, "minute": 29, "second": 34}
